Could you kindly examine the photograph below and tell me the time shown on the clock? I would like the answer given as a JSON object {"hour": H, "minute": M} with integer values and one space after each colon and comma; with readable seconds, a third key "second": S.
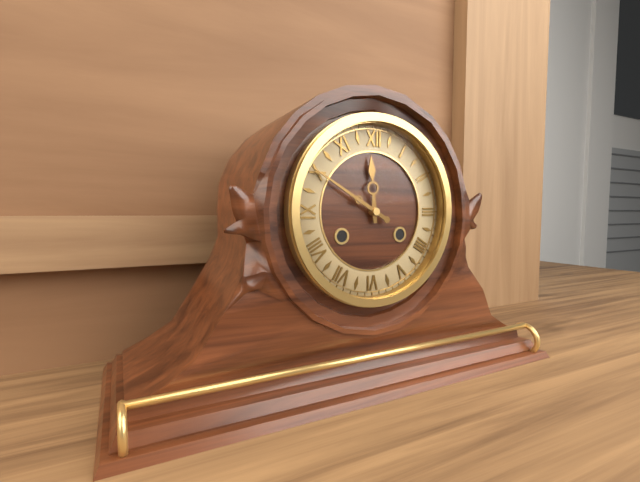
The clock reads {"hour": 11, "minute": 50}
